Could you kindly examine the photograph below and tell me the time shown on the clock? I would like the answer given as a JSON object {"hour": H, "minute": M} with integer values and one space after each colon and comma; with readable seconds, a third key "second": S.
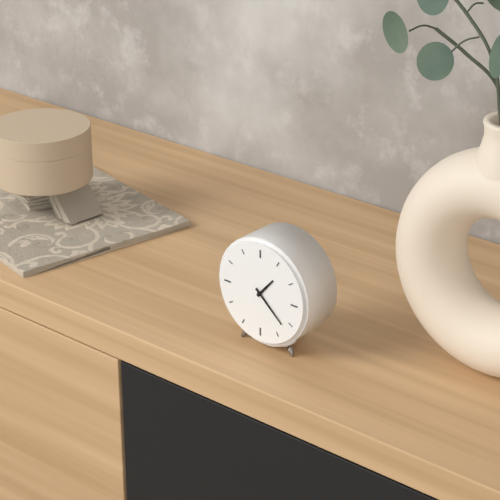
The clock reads {"hour": 1, "minute": 22}
